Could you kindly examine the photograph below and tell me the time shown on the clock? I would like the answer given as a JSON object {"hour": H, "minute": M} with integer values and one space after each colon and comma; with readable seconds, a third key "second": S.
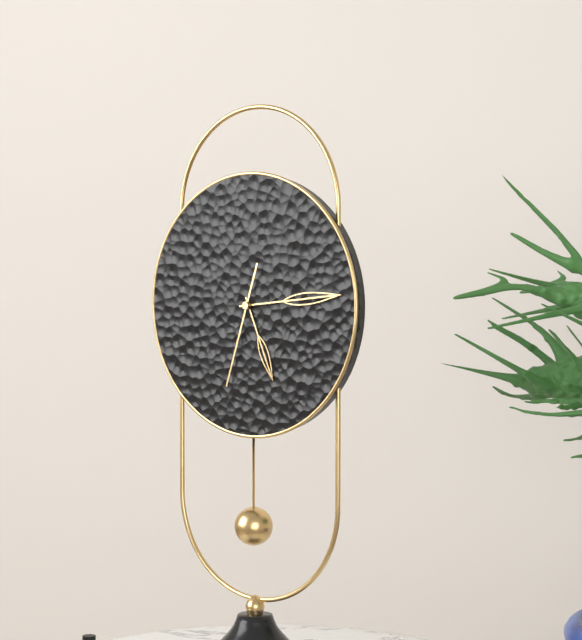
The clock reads {"hour": 5, "minute": 14, "second": 33}
